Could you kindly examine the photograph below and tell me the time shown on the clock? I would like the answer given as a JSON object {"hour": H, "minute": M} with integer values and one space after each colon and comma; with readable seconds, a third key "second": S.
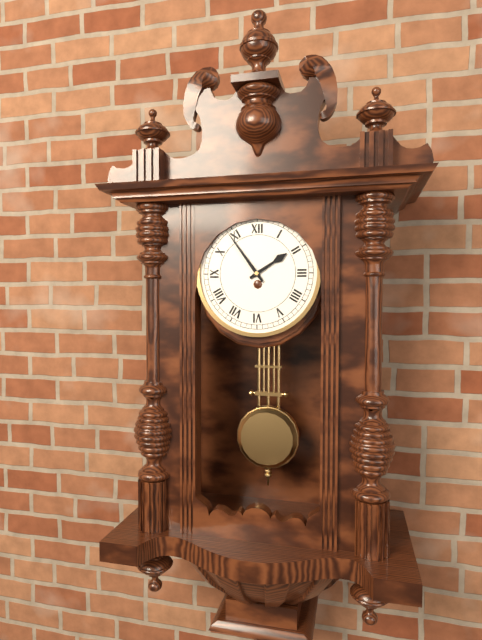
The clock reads {"hour": 1, "minute": 54}
